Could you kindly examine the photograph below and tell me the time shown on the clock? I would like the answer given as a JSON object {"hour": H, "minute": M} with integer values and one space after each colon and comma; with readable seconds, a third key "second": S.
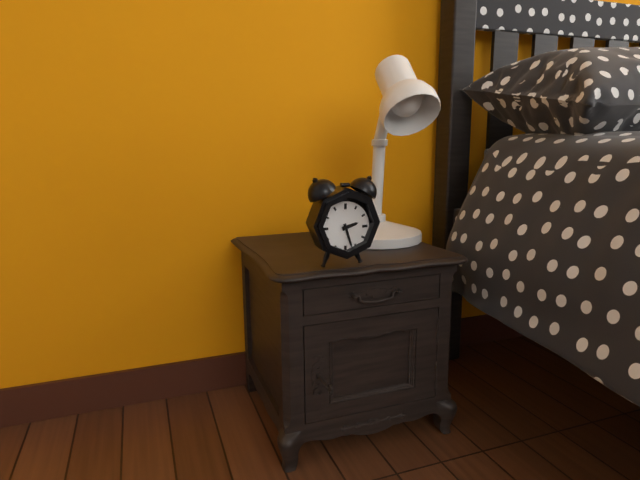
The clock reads {"hour": 2, "minute": 27}
